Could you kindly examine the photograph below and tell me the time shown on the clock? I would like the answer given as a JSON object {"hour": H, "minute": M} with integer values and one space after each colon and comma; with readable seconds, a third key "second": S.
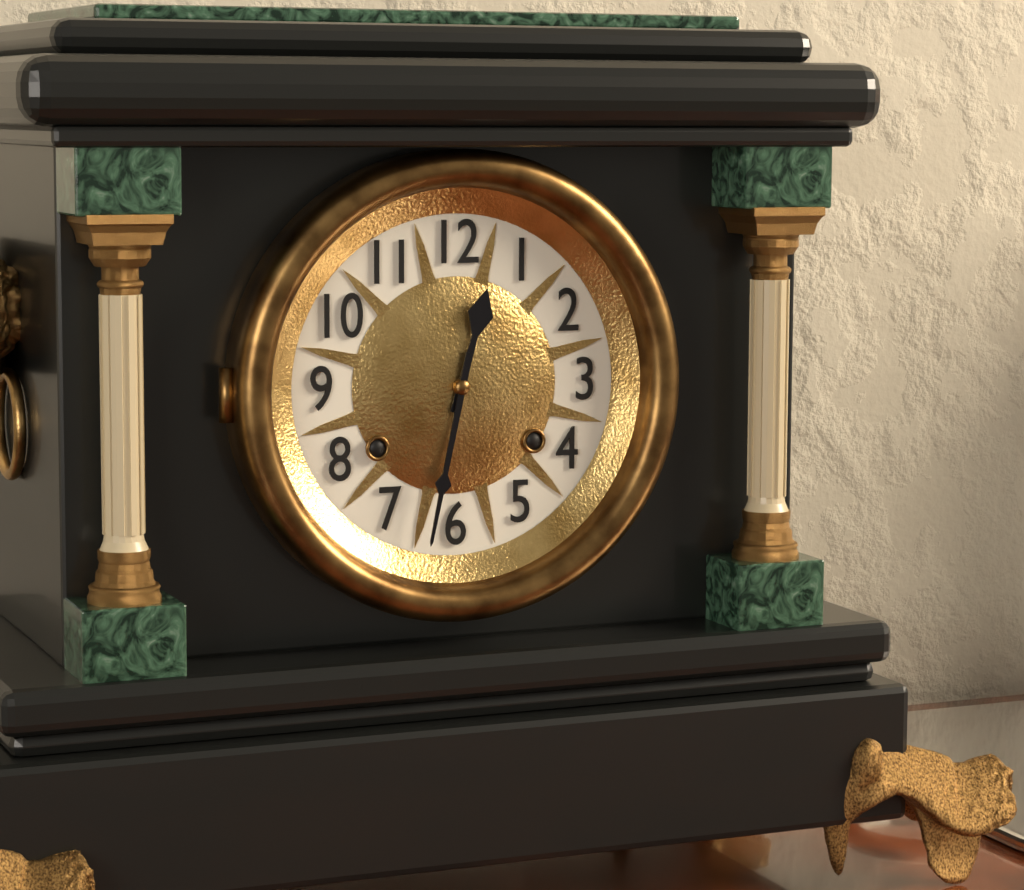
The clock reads {"hour": 12, "minute": 32}
